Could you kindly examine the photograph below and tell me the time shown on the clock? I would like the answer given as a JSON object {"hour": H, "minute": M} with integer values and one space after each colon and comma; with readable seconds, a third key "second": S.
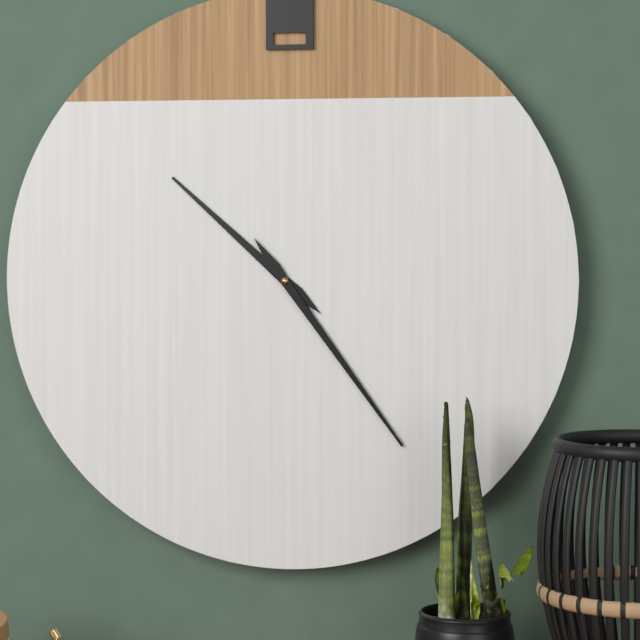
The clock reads {"hour": 10, "minute": 24}
